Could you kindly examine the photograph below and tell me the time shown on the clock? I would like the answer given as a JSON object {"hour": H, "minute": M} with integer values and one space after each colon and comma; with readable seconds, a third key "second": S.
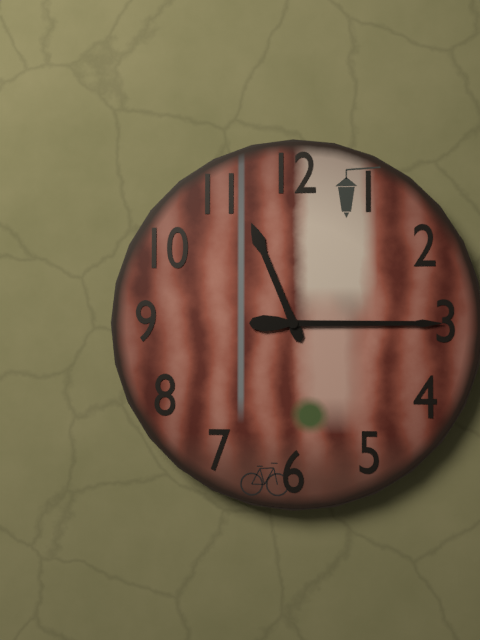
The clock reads {"hour": 11, "minute": 15}
